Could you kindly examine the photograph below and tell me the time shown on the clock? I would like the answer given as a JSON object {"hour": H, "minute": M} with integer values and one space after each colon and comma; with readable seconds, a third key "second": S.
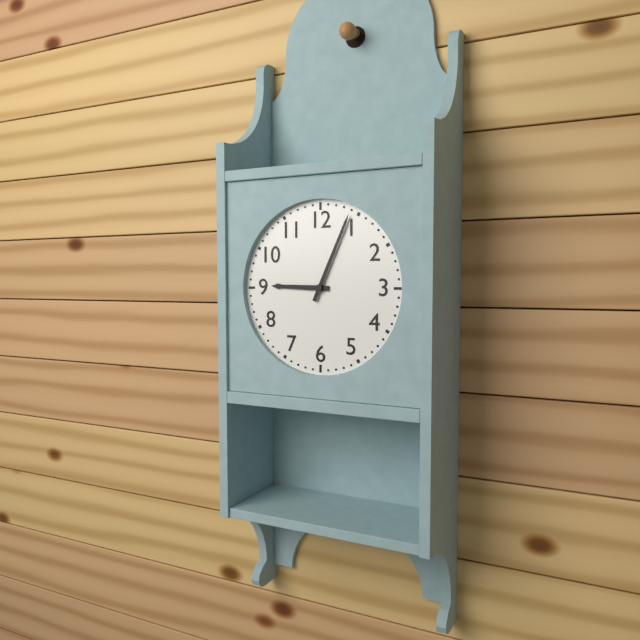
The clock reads {"hour": 9, "minute": 4}
